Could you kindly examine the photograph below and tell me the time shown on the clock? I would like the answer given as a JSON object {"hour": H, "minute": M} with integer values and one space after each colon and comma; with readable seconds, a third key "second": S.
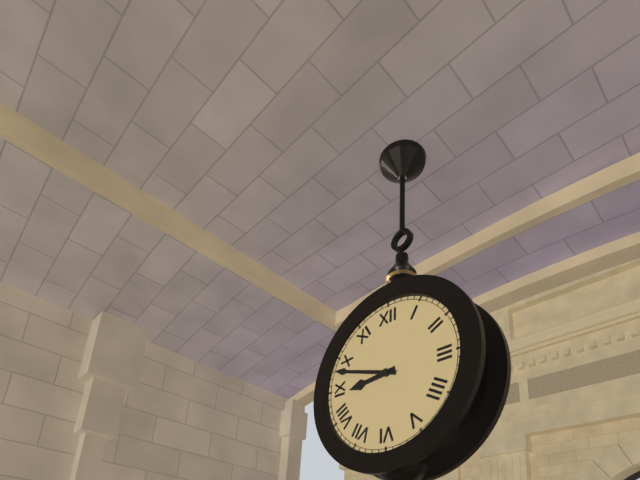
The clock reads {"hour": 8, "minute": 48}
